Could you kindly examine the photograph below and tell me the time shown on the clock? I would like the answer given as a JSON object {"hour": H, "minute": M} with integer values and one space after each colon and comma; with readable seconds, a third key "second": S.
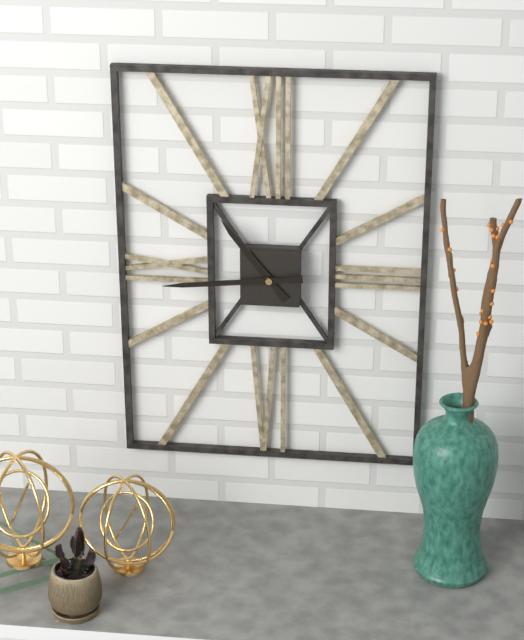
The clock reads {"hour": 10, "minute": 44}
